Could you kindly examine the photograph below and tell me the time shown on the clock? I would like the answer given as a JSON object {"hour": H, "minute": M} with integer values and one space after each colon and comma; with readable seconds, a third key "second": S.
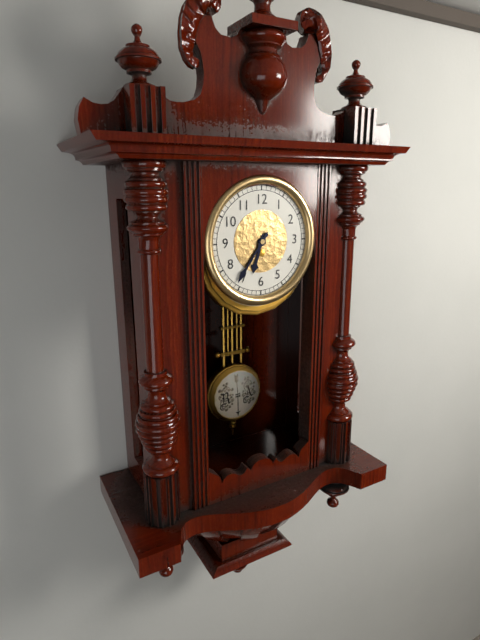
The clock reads {"hour": 6, "minute": 36}
